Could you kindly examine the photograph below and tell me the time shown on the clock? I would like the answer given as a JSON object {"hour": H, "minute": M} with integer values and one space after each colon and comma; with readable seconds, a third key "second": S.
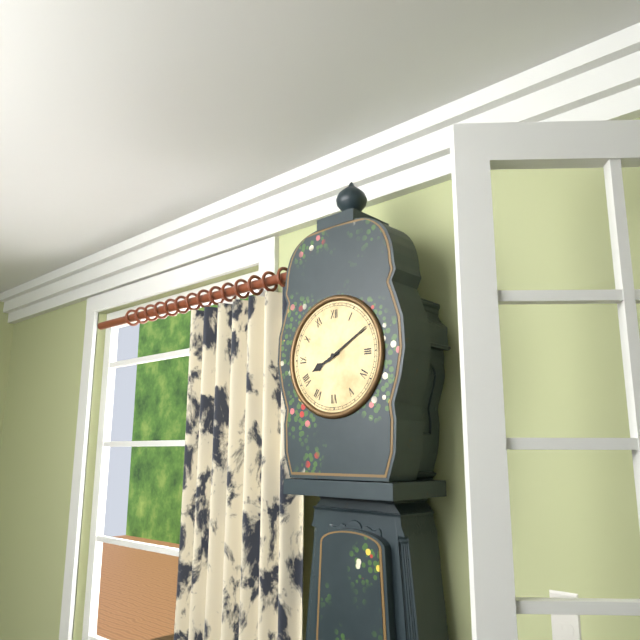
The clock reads {"hour": 8, "minute": 10}
